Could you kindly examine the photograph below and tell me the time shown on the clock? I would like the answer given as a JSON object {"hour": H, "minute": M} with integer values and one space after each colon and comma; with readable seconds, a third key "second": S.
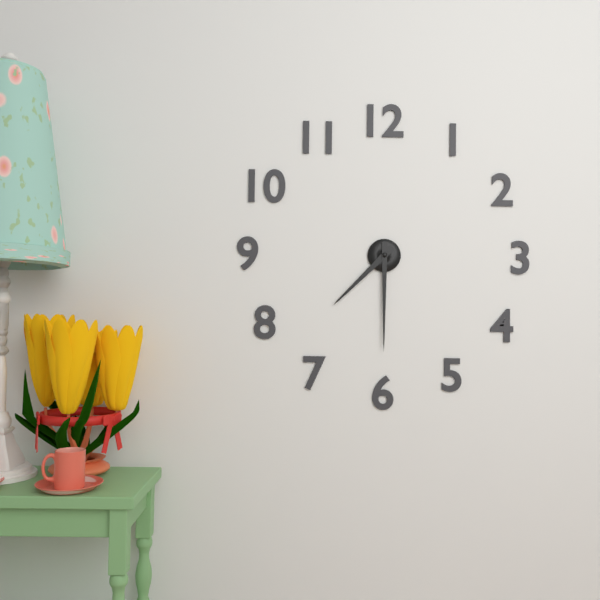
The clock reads {"hour": 7, "minute": 30}
